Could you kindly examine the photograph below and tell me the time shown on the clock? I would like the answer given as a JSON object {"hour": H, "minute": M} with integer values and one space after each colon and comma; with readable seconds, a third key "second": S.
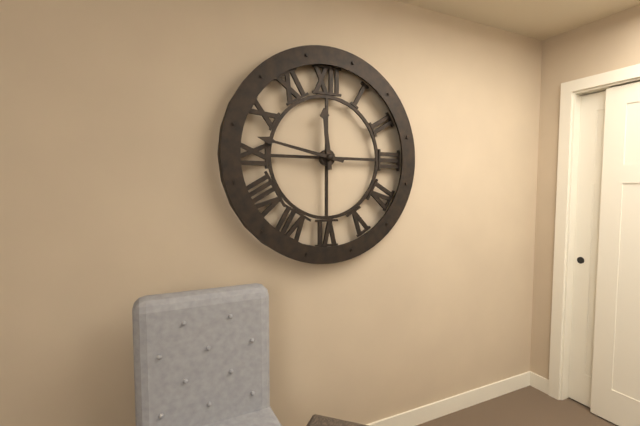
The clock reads {"hour": 11, "minute": 47}
